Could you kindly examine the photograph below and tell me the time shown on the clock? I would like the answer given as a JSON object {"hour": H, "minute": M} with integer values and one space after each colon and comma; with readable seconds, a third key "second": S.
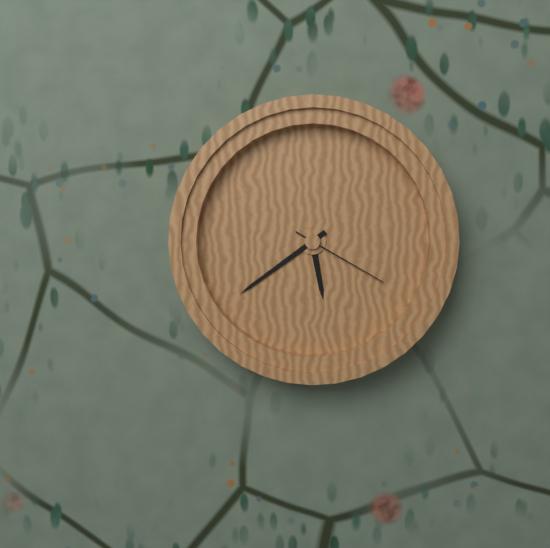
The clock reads {"hour": 5, "minute": 39, "second": 20}
